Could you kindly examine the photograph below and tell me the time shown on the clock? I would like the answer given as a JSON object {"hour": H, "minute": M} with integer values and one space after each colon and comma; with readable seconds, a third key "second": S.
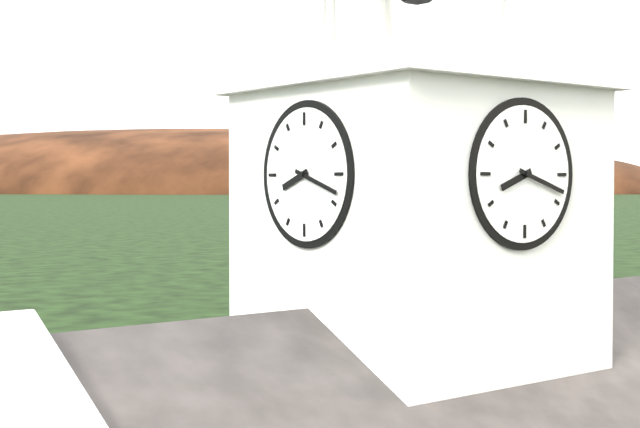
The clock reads {"hour": 8, "minute": 18}
